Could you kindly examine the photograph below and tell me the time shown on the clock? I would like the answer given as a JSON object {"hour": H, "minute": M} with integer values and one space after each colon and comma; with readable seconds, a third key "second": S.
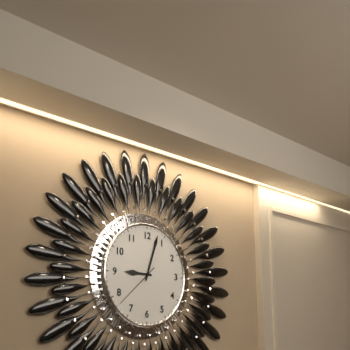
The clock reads {"hour": 9, "minute": 3}
